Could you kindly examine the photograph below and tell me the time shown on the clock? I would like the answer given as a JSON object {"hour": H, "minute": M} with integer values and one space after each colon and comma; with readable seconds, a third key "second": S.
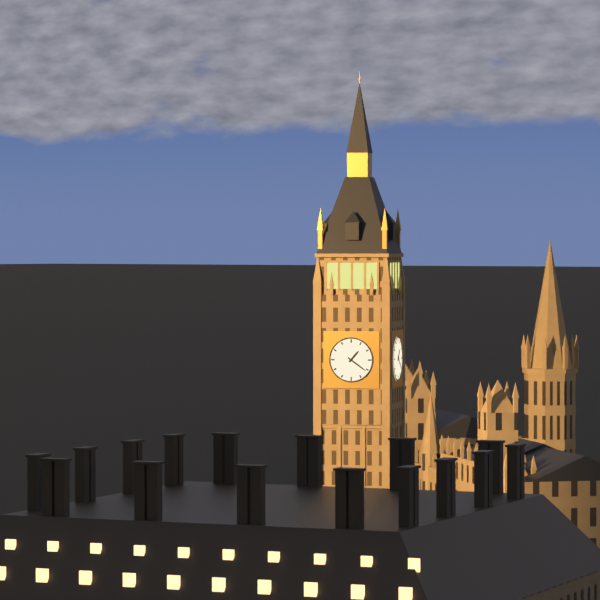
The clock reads {"hour": 1, "minute": 21}
